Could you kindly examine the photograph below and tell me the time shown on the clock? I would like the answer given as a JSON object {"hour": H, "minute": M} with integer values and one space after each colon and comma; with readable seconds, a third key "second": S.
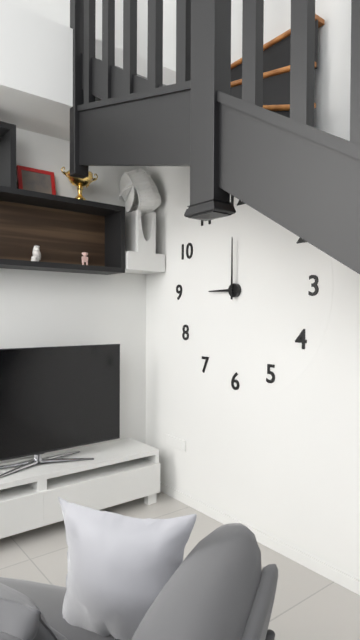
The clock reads {"hour": 9, "minute": 0}
